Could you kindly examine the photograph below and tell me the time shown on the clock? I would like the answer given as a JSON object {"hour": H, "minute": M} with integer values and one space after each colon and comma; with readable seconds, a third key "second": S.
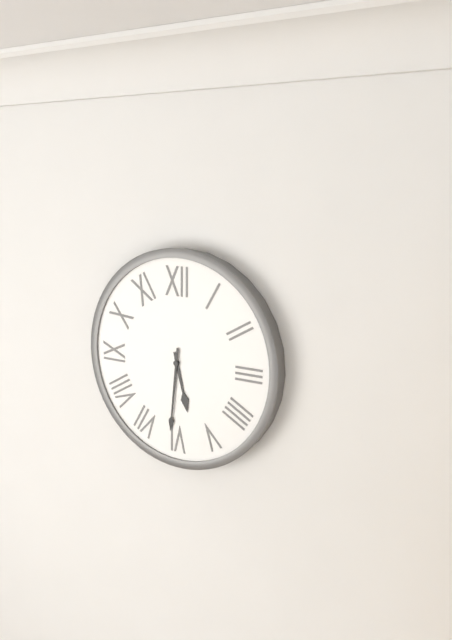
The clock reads {"hour": 5, "minute": 31}
